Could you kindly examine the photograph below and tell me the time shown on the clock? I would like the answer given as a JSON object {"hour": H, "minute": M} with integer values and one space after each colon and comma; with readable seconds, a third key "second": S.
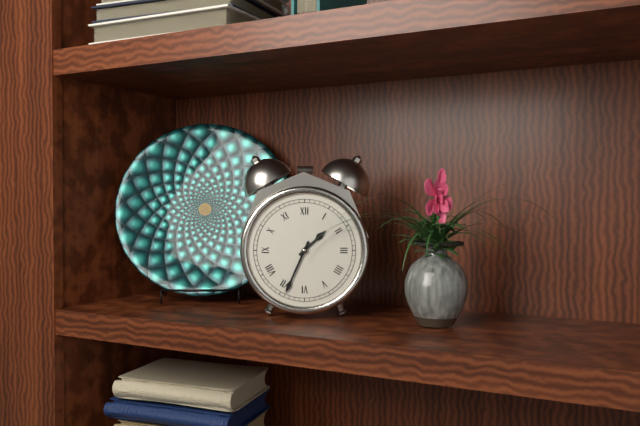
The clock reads {"hour": 1, "minute": 34}
